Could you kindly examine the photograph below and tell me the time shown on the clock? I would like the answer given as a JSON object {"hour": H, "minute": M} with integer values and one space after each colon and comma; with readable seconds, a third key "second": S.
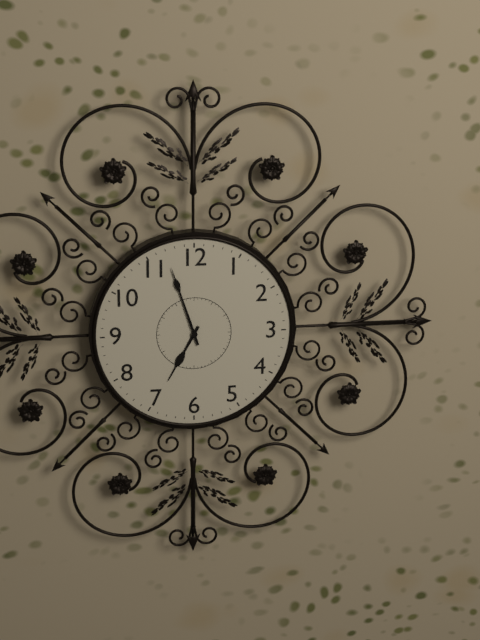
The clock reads {"hour": 6, "minute": 57}
